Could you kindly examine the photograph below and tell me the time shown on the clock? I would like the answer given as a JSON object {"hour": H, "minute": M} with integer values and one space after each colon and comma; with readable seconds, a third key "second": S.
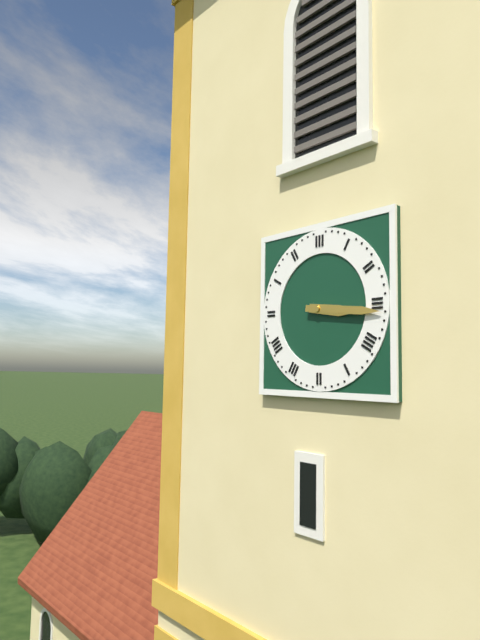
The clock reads {"hour": 3, "minute": 16}
